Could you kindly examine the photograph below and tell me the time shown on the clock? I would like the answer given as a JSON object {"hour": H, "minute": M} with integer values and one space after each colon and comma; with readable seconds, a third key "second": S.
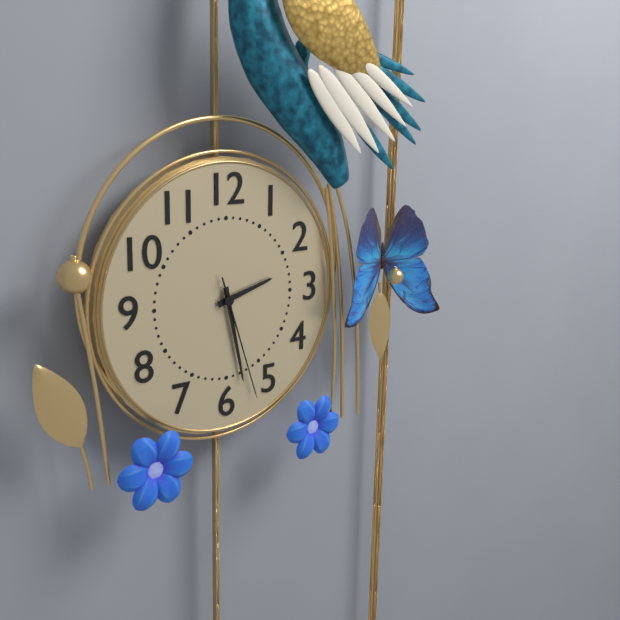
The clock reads {"hour": 2, "minute": 28, "second": 27}
